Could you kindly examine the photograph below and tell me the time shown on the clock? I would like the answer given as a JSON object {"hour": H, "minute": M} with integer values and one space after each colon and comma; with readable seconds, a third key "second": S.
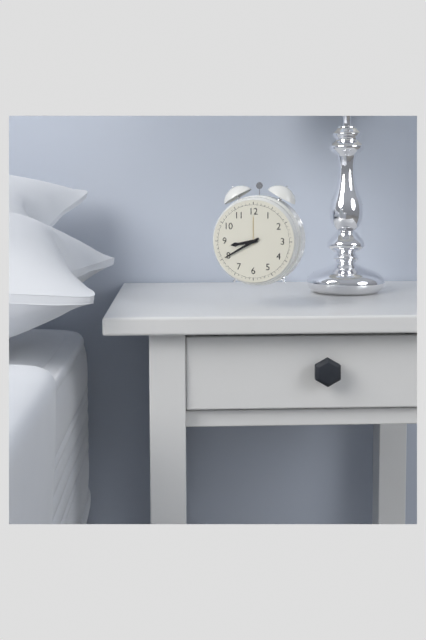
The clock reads {"hour": 8, "minute": 40}
